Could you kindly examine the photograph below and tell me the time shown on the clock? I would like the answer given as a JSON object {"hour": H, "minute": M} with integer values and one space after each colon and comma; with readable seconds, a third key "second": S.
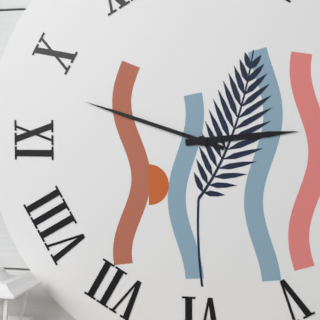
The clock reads {"hour": 2, "minute": 48}
